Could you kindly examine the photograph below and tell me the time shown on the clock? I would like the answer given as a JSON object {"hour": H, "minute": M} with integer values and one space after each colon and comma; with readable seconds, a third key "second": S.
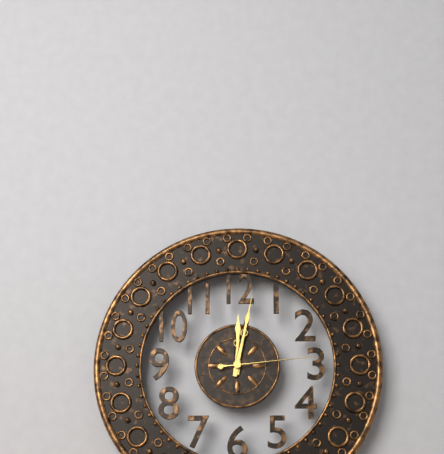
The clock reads {"hour": 12, "minute": 2, "second": 14}
